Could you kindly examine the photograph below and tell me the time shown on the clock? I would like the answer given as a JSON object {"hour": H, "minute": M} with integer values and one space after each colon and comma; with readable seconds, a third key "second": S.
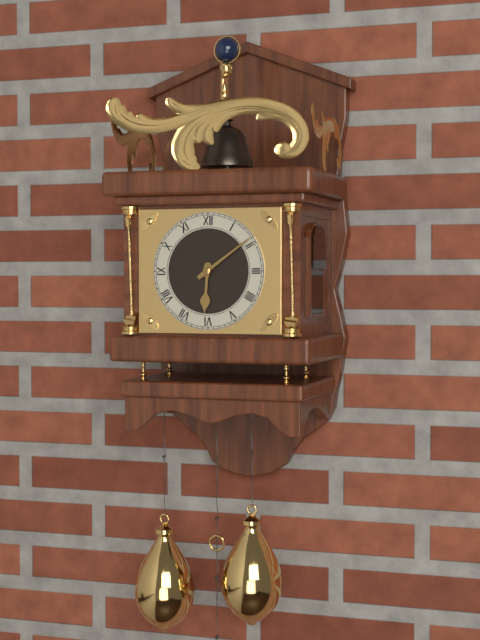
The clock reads {"hour": 6, "minute": 9}
